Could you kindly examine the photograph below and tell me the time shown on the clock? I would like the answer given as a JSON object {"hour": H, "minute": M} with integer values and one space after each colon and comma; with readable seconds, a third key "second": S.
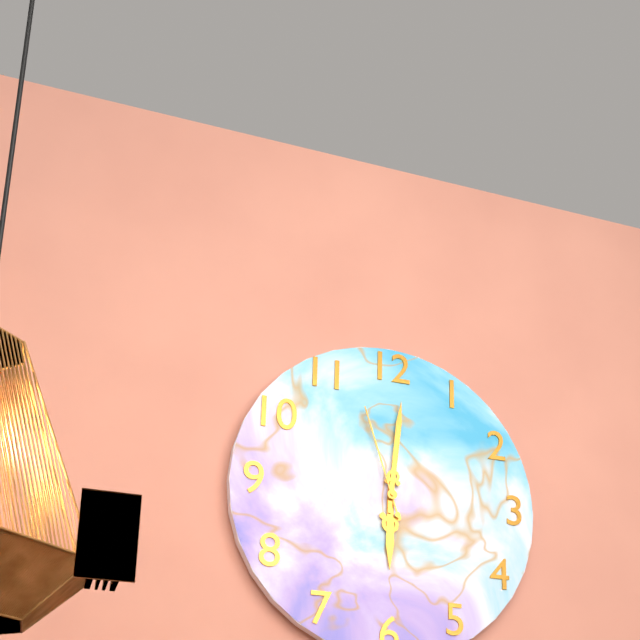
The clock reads {"hour": 6, "minute": 1, "second": 57}
